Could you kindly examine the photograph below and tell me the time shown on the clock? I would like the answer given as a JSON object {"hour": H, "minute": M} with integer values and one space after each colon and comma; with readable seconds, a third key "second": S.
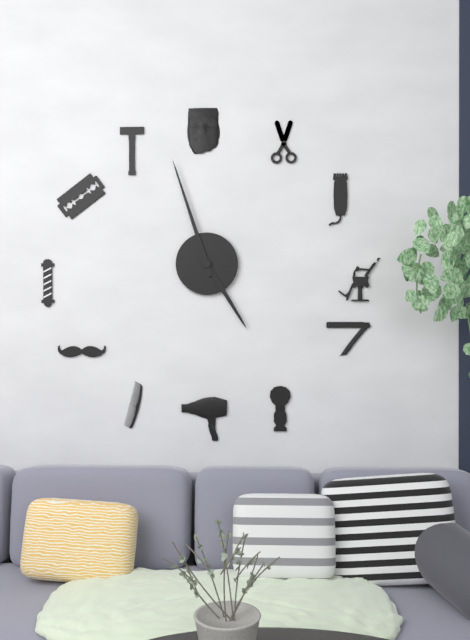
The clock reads {"hour": 4, "minute": 57}
